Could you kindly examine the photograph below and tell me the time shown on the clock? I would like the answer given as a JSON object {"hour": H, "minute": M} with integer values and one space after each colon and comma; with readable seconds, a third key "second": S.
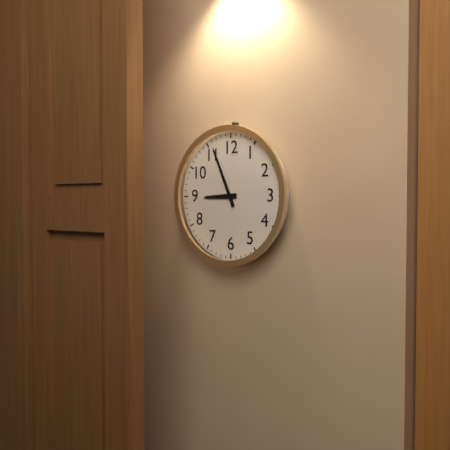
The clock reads {"hour": 8, "minute": 56}
